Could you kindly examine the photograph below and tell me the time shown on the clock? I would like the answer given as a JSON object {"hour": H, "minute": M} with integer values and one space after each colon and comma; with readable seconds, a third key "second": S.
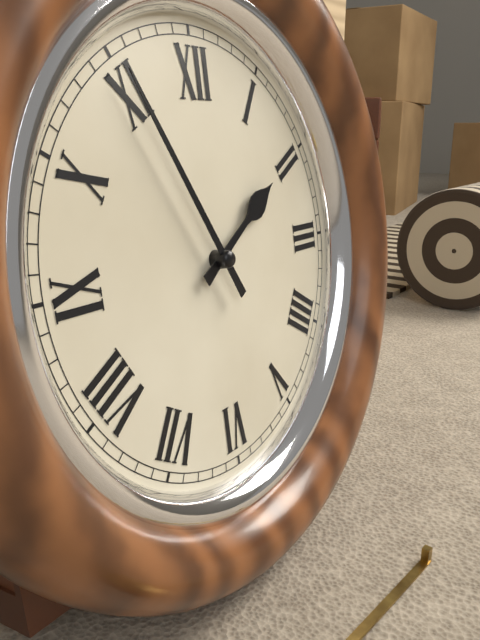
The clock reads {"hour": 1, "minute": 55}
